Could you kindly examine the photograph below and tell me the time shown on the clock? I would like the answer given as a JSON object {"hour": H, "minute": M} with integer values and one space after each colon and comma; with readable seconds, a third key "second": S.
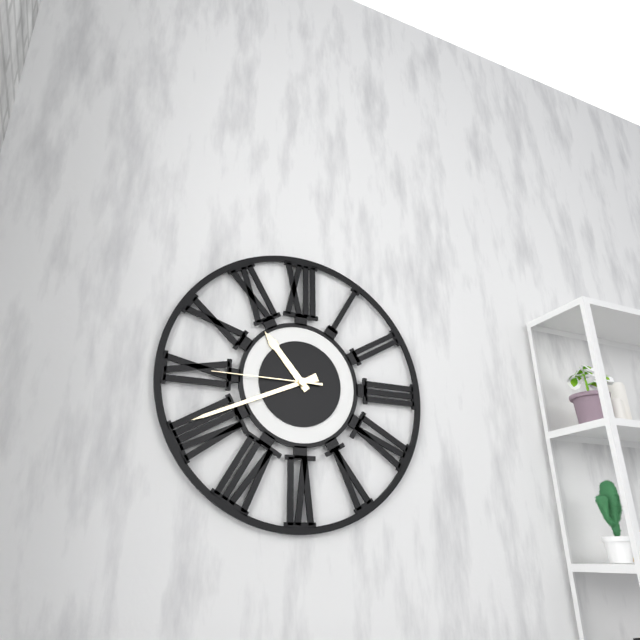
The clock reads {"hour": 10, "minute": 41, "second": 45}
